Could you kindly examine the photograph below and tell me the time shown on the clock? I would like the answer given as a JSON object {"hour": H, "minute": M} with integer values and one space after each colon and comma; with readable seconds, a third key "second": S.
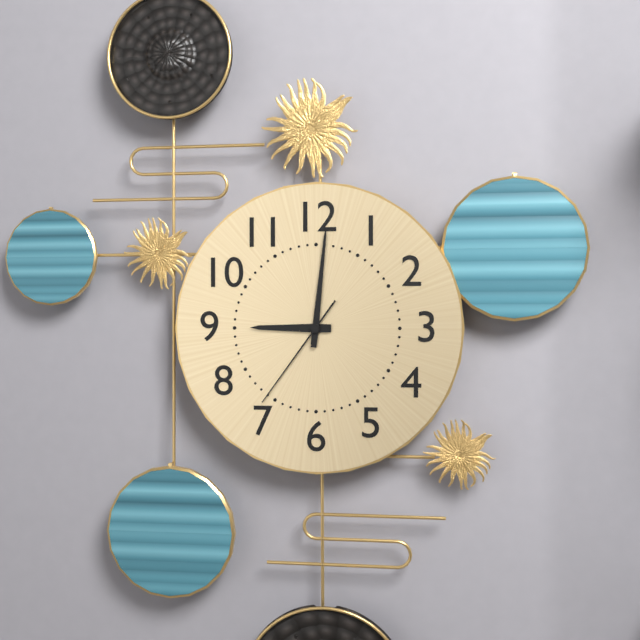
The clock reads {"hour": 9, "minute": 1, "second": 36}
